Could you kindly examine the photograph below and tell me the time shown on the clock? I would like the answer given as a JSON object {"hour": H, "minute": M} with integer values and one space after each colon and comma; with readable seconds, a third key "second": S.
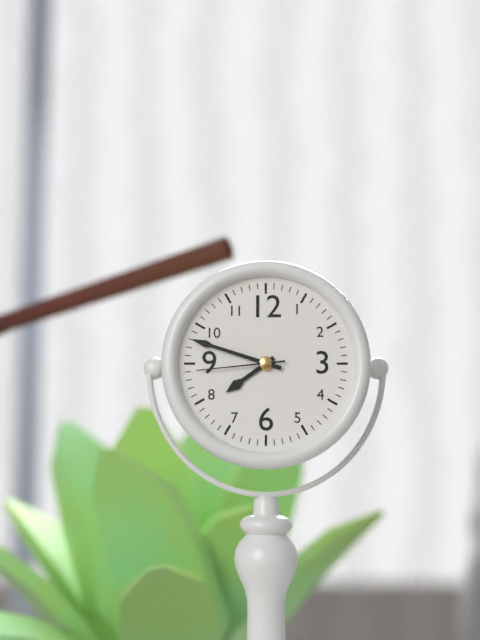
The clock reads {"hour": 7, "minute": 48, "second": 44}
